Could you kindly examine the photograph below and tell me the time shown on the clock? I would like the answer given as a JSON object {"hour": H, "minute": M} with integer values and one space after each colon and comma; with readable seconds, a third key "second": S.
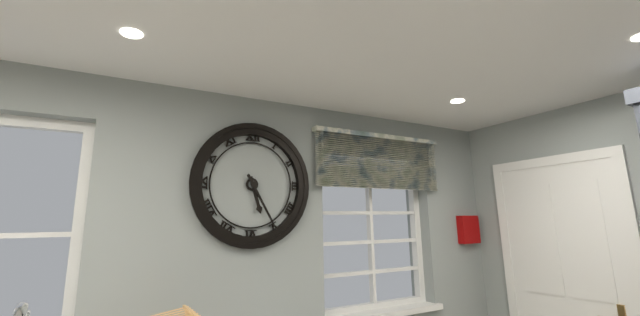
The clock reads {"hour": 5, "minute": 25}
